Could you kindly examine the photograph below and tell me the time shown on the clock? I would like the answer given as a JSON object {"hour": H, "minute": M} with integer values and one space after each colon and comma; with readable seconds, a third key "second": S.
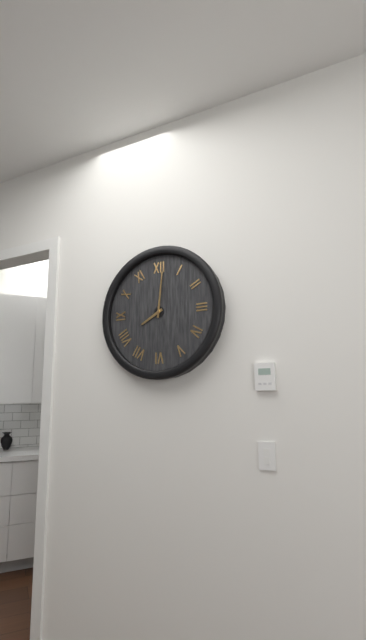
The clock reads {"hour": 8, "minute": 1}
